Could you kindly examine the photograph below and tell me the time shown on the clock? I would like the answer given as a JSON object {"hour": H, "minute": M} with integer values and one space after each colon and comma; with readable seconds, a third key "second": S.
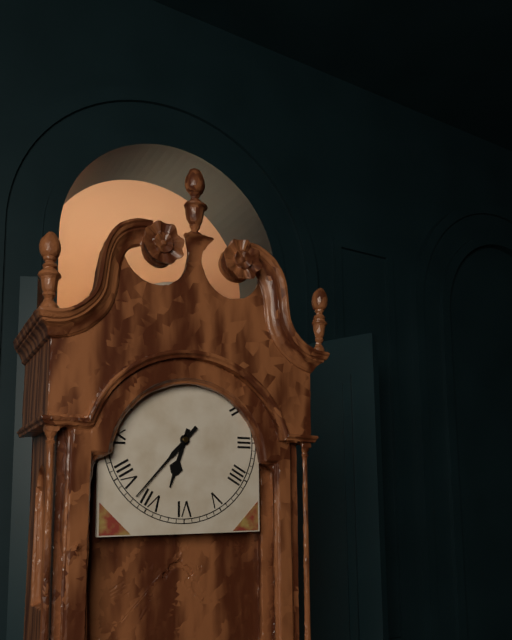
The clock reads {"hour": 6, "minute": 37}
